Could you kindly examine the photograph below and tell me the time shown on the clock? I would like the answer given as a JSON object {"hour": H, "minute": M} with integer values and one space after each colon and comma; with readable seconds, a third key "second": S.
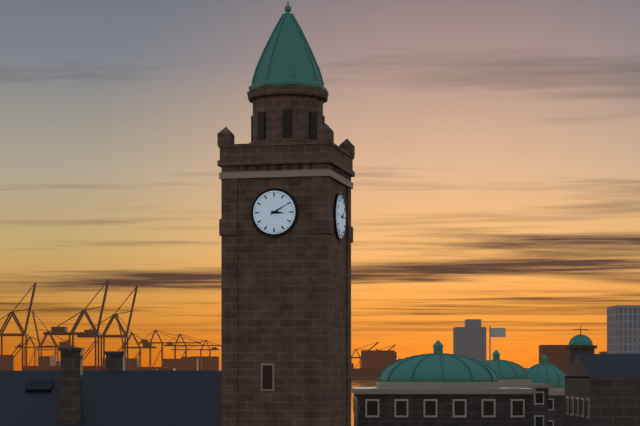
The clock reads {"hour": 3, "minute": 10}
